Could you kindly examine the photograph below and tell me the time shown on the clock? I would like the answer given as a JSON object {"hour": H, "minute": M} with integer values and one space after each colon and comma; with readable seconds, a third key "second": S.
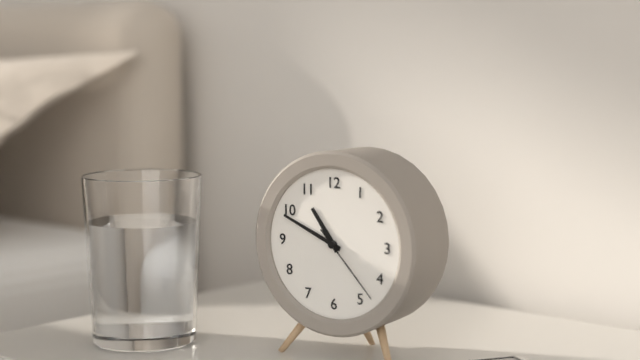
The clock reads {"hour": 10, "minute": 49, "second": 23}
